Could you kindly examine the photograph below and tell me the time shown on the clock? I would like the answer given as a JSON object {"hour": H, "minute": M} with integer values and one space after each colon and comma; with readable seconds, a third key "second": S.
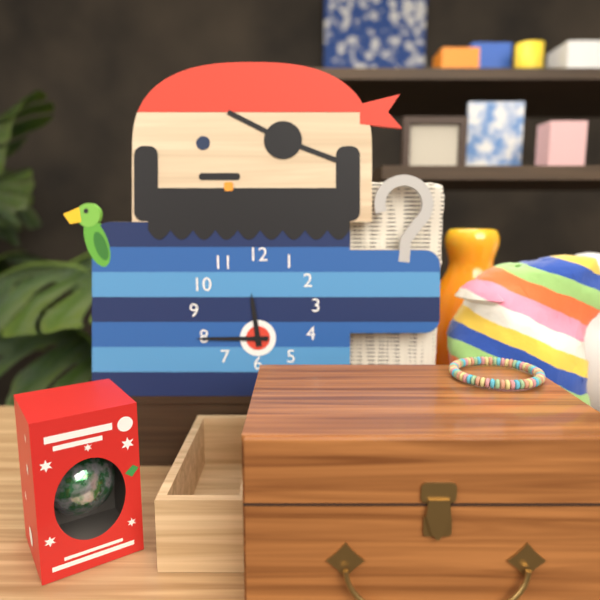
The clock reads {"hour": 11, "minute": 45}
